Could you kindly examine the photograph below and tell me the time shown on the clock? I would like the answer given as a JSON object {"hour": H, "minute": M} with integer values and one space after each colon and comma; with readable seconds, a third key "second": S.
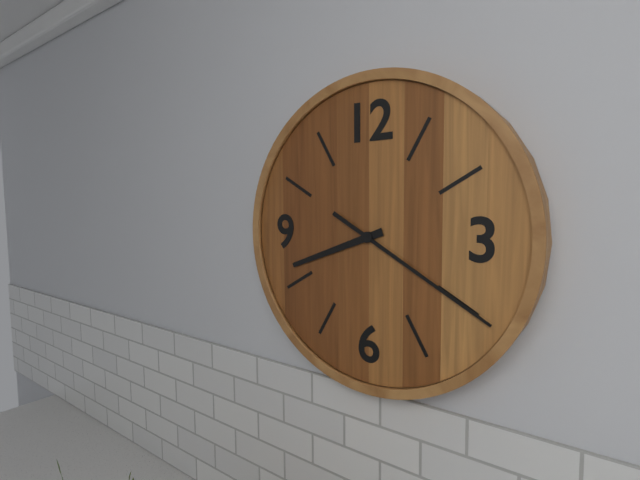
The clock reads {"hour": 8, "minute": 20}
